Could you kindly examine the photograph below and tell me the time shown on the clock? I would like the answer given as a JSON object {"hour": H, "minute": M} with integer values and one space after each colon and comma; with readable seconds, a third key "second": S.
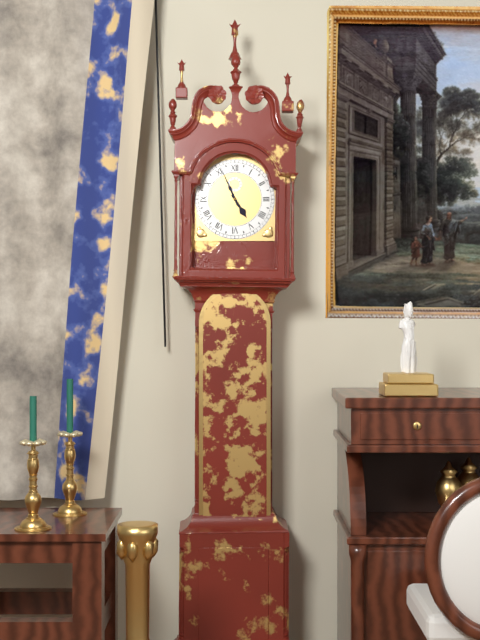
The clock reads {"hour": 4, "minute": 56}
